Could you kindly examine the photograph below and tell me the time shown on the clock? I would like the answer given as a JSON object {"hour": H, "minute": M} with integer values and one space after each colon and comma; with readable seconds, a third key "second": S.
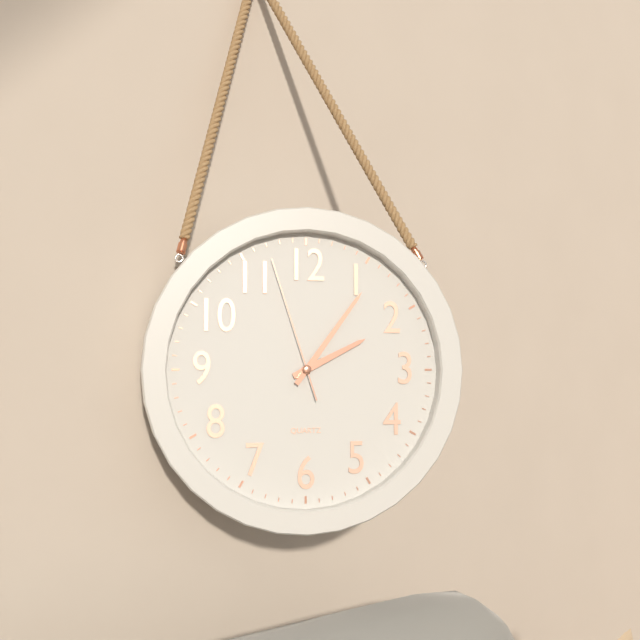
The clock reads {"hour": 2, "minute": 6, "second": 57}
